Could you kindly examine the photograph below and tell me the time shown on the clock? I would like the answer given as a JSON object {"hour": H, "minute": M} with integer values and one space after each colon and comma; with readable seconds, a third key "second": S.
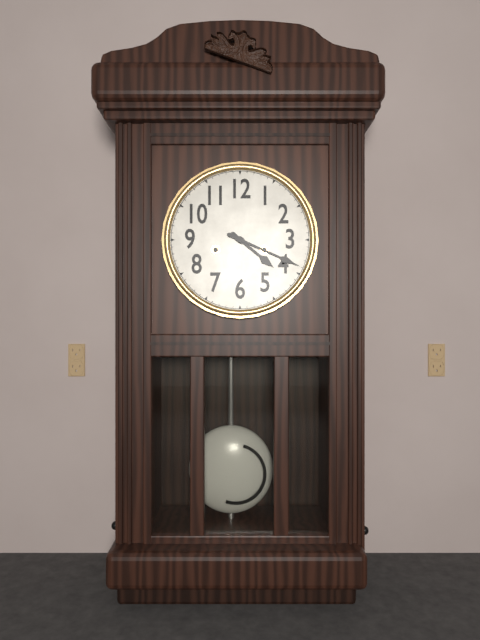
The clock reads {"hour": 4, "minute": 19}
